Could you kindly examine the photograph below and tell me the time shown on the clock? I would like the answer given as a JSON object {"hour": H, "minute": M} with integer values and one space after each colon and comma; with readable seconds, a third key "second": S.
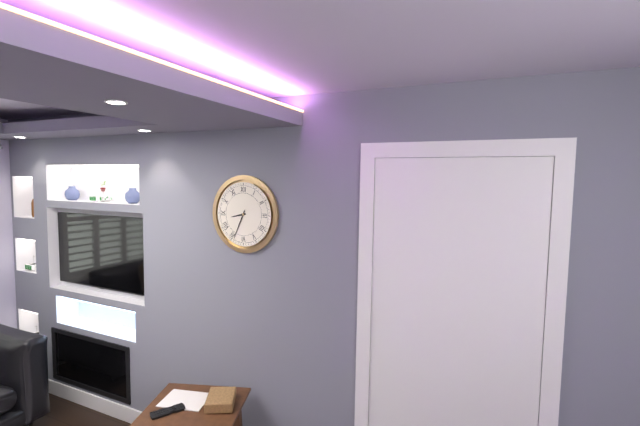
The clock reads {"hour": 8, "minute": 34}
